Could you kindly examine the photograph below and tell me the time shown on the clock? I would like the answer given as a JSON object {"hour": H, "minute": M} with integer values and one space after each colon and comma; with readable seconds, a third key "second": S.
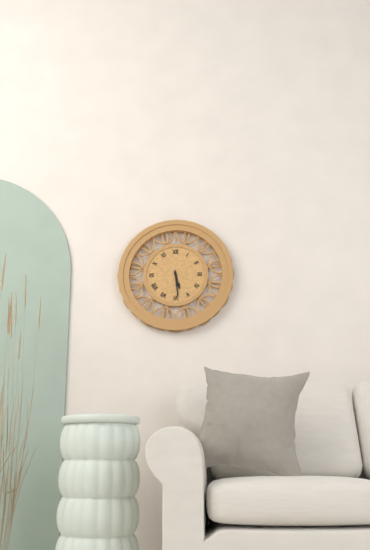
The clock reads {"hour": 5, "minute": 29}
